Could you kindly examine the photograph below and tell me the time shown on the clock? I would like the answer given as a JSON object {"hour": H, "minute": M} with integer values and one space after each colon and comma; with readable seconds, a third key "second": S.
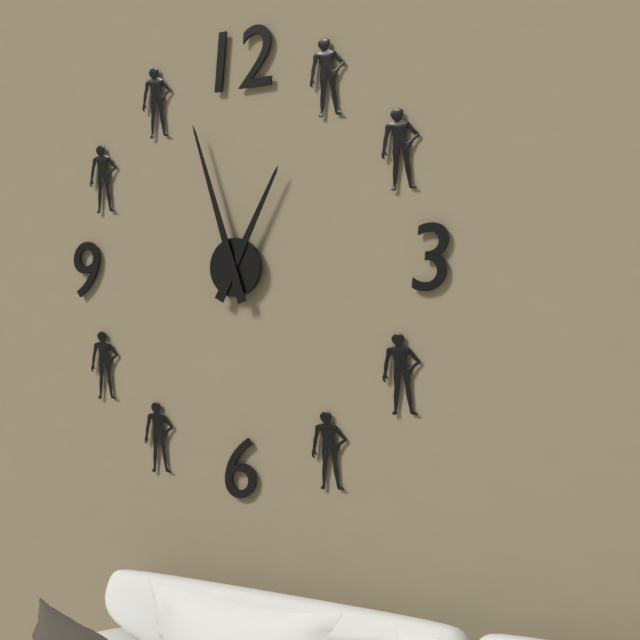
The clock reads {"hour": 12, "minute": 57}
